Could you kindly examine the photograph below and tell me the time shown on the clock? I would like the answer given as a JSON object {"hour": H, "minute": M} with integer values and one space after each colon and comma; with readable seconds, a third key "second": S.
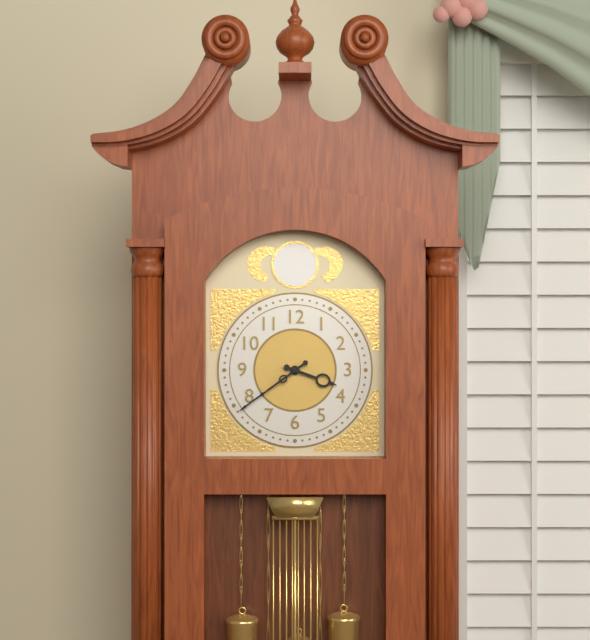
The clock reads {"hour": 3, "minute": 39}
